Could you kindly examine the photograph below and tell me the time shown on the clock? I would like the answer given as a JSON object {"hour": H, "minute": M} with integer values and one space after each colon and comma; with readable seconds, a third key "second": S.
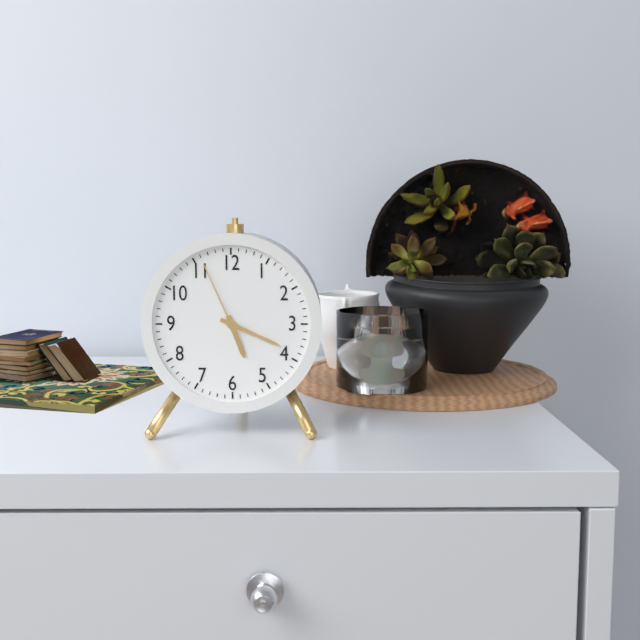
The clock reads {"hour": 5, "minute": 19, "second": 56}
